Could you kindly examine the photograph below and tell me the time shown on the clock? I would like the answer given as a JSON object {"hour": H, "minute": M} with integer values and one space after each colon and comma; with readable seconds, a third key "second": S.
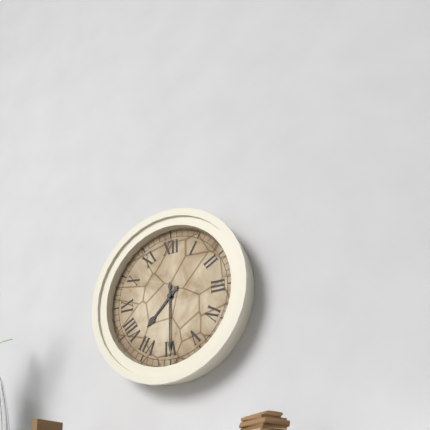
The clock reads {"hour": 7, "minute": 30}
